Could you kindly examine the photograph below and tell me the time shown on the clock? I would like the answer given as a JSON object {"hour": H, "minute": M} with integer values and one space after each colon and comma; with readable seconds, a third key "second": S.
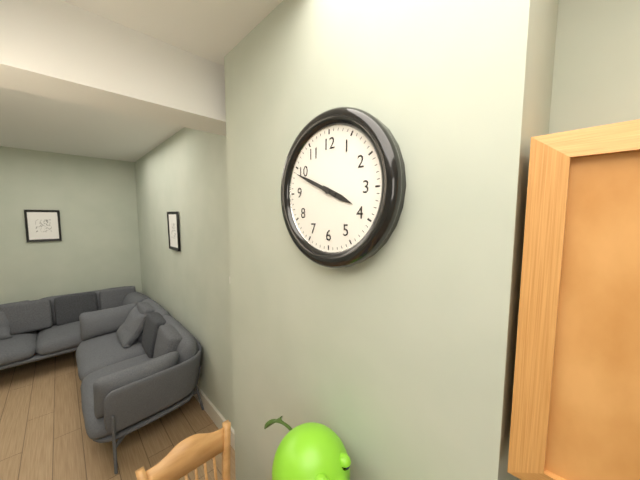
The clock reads {"hour": 3, "minute": 49}
